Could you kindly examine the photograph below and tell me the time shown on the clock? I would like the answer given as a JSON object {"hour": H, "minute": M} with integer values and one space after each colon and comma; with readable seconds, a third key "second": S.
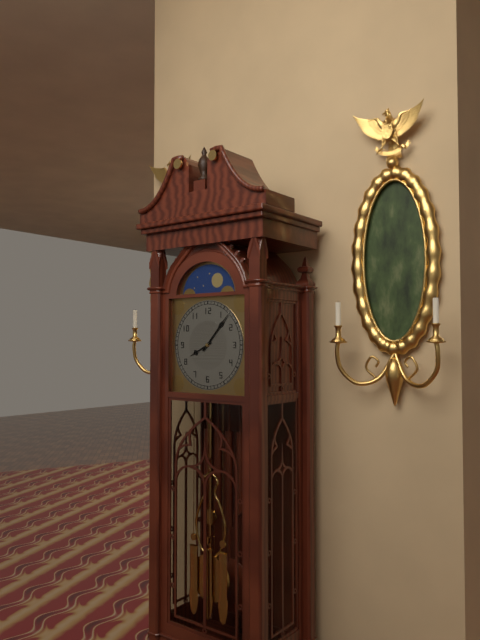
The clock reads {"hour": 8, "minute": 7}
